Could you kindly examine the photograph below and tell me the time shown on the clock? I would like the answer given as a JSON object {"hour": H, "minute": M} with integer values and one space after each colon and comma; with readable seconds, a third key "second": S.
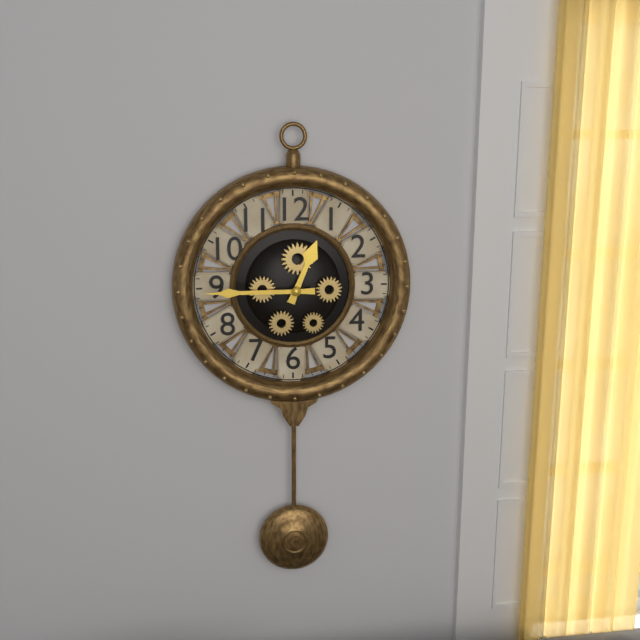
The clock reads {"hour": 12, "minute": 45}
